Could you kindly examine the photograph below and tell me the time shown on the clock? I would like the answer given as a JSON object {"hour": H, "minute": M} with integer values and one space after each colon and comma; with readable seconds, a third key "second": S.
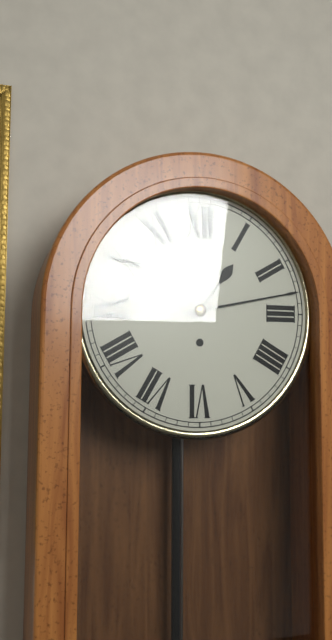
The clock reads {"hour": 1, "minute": 13}
